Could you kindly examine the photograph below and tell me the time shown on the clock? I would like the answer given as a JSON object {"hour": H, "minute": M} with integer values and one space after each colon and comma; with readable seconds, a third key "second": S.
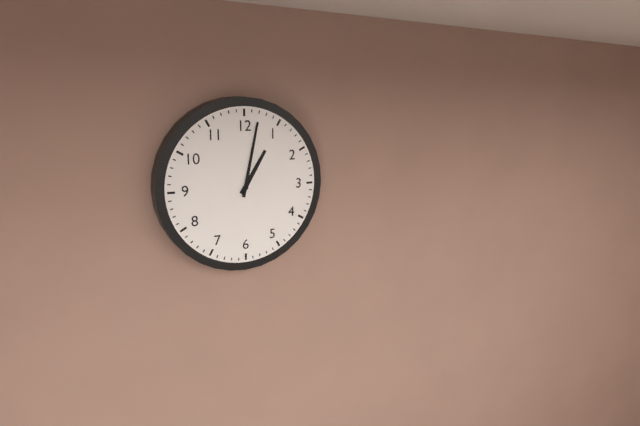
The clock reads {"hour": 1, "minute": 2}
